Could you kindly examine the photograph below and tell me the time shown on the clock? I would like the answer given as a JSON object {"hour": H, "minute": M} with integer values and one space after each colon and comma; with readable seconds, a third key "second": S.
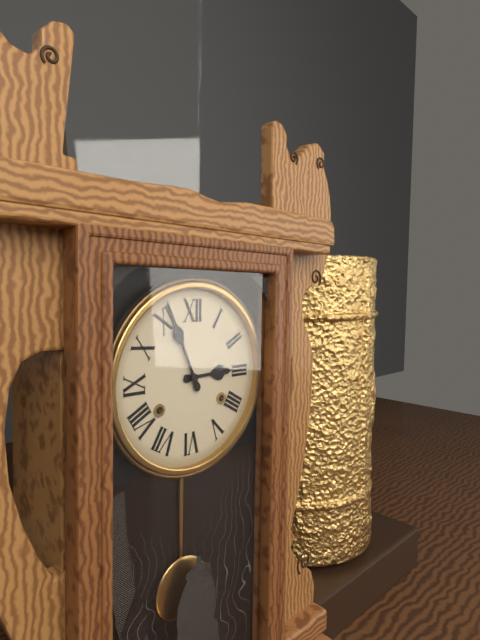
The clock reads {"hour": 2, "minute": 56}
